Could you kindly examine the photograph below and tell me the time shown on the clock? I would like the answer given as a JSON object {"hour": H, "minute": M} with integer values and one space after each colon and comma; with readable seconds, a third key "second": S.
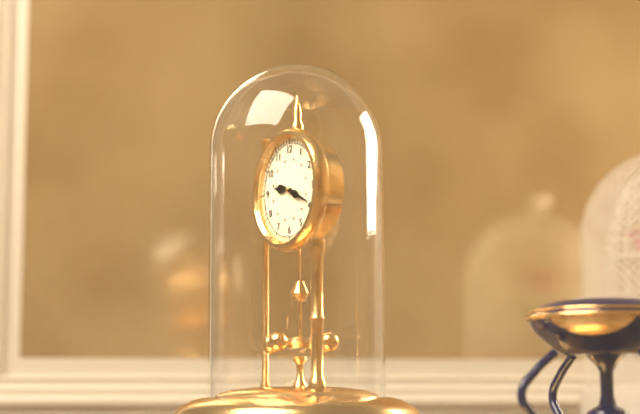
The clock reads {"hour": 9, "minute": 19}
